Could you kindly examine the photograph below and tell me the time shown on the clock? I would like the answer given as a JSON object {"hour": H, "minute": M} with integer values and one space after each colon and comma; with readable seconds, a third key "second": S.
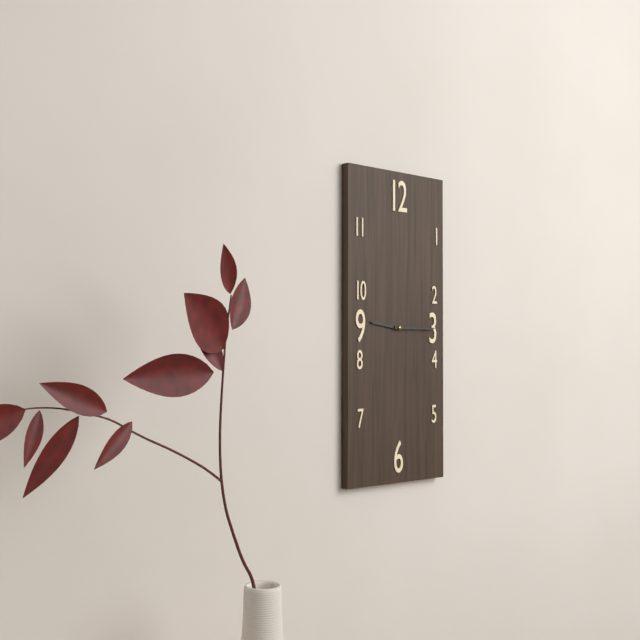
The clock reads {"hour": 9, "minute": 15}
